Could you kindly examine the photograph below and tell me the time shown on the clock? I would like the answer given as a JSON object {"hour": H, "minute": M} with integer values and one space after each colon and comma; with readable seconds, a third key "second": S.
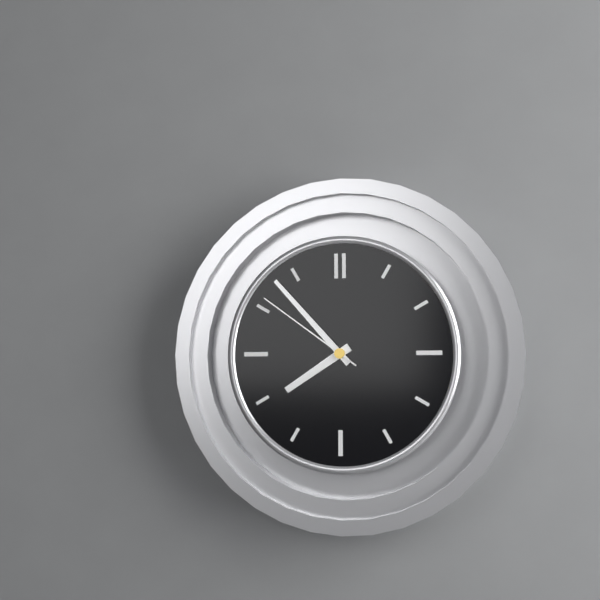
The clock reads {"hour": 7, "minute": 53, "second": 51}
